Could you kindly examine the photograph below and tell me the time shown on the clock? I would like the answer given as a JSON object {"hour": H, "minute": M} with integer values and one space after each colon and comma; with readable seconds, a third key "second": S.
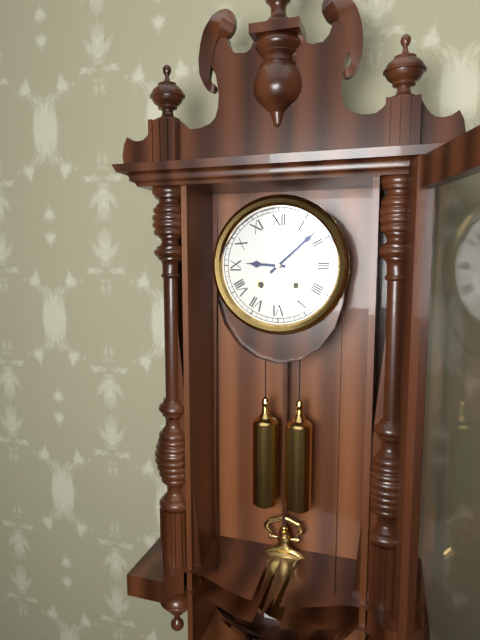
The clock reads {"hour": 9, "minute": 8}
